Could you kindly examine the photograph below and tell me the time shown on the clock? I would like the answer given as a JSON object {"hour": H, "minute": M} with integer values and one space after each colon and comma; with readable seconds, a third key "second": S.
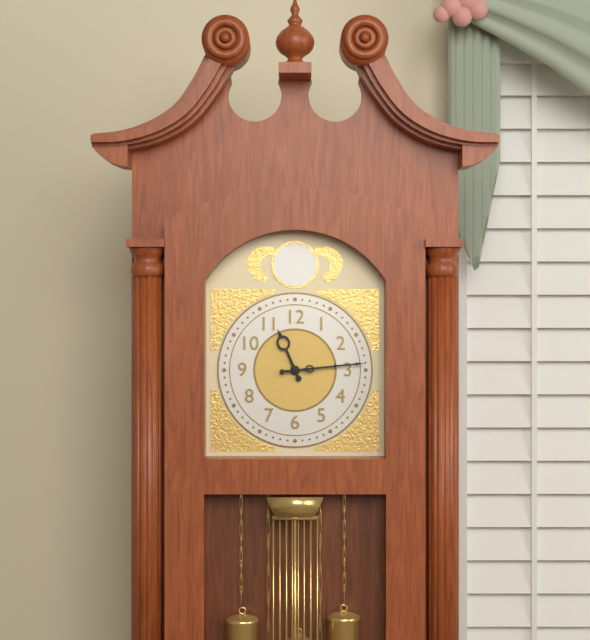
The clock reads {"hour": 11, "minute": 14}
